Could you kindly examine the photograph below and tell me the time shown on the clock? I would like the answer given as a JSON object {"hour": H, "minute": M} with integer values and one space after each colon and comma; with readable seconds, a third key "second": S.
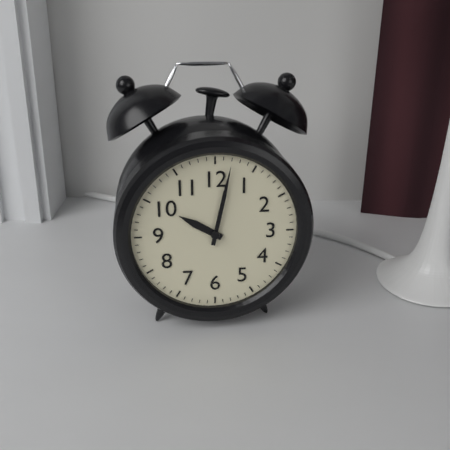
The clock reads {"hour": 10, "minute": 2}
